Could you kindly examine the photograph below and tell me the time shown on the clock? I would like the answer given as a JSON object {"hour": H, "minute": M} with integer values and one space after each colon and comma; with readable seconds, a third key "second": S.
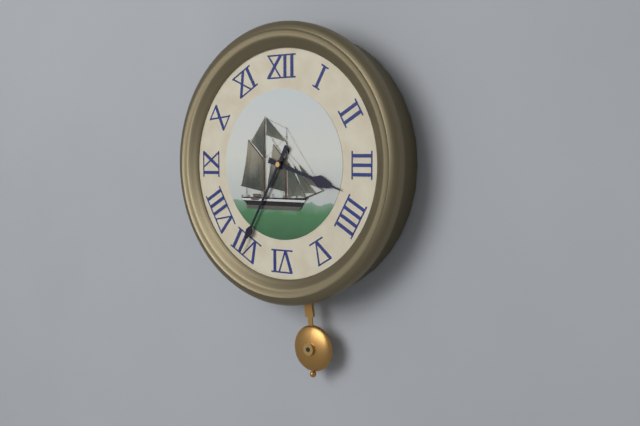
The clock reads {"hour": 3, "minute": 35}
